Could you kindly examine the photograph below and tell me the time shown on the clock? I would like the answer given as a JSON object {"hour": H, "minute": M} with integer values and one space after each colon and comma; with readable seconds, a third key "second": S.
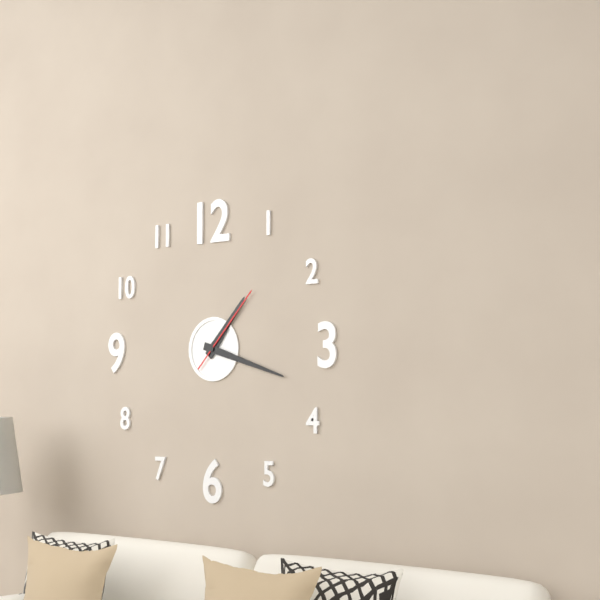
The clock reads {"hour": 1, "minute": 18, "second": 7}
